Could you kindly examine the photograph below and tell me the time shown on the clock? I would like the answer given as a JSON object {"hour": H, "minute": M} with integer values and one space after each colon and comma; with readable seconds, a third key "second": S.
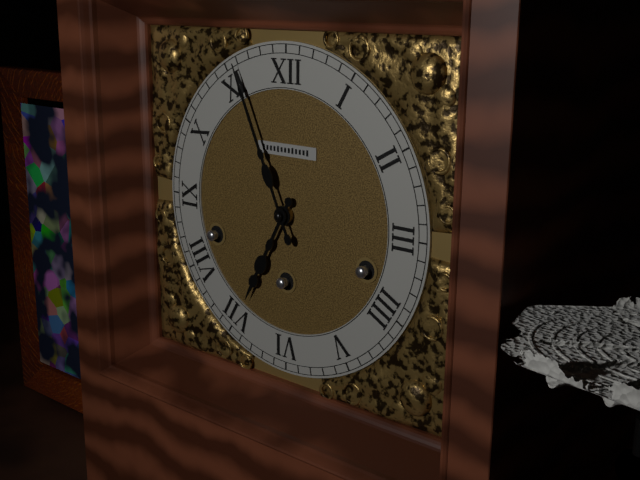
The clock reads {"hour": 6, "minute": 56}
